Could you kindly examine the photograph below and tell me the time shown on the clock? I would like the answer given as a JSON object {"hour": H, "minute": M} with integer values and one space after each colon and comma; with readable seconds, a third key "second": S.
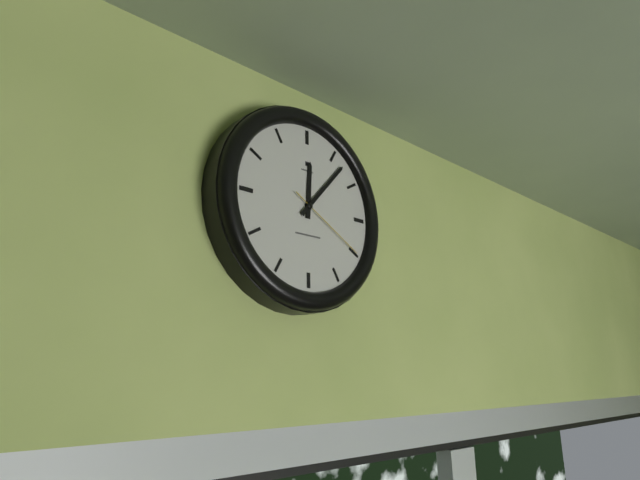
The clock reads {"hour": 12, "minute": 7, "second": 20}
